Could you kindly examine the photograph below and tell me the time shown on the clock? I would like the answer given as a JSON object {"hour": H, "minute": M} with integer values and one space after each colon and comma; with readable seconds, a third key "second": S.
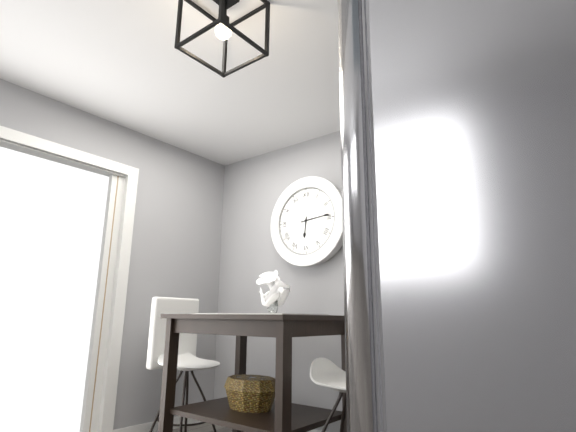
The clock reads {"hour": 6, "minute": 14}
